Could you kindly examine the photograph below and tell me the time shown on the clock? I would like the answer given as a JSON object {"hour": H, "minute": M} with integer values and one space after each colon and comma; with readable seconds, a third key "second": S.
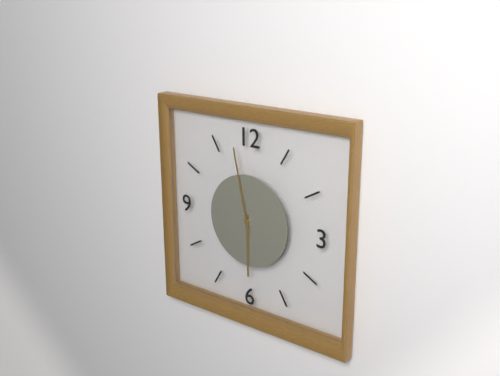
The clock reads {"hour": 5, "minute": 58}
